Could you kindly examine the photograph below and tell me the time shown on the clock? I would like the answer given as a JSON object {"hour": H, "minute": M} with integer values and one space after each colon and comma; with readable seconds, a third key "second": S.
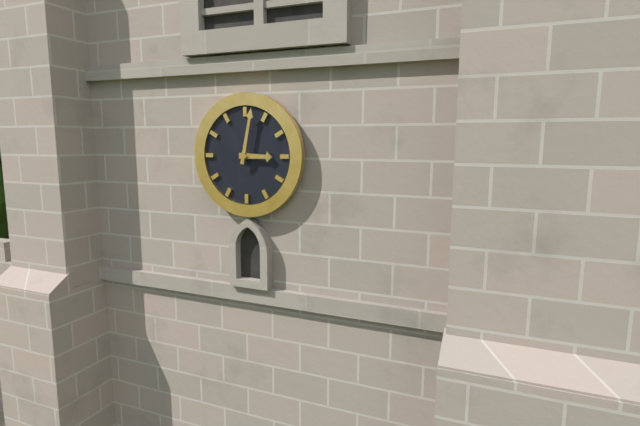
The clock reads {"hour": 3, "minute": 2}
